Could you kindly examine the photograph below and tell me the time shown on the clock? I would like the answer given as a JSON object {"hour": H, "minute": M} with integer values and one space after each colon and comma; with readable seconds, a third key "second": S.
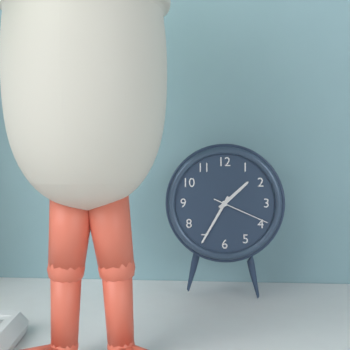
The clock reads {"hour": 1, "minute": 35, "second": 19}
